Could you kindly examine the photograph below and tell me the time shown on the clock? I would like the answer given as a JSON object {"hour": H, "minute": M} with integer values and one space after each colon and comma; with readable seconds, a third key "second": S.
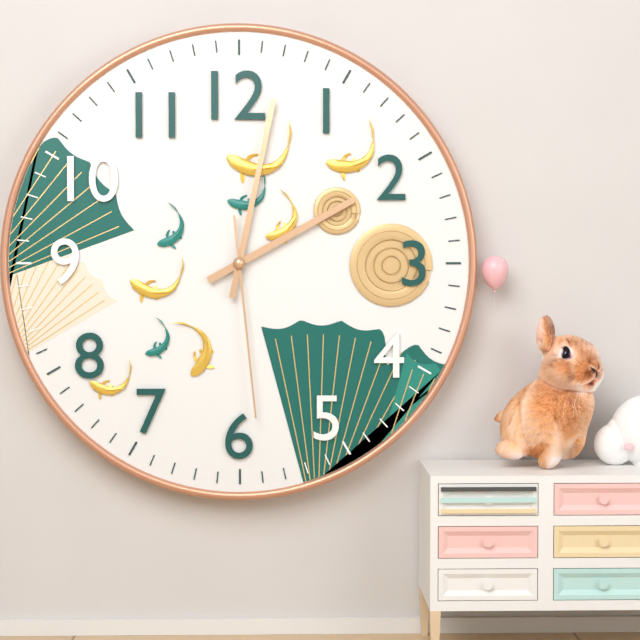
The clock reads {"hour": 2, "minute": 2, "second": 29}
